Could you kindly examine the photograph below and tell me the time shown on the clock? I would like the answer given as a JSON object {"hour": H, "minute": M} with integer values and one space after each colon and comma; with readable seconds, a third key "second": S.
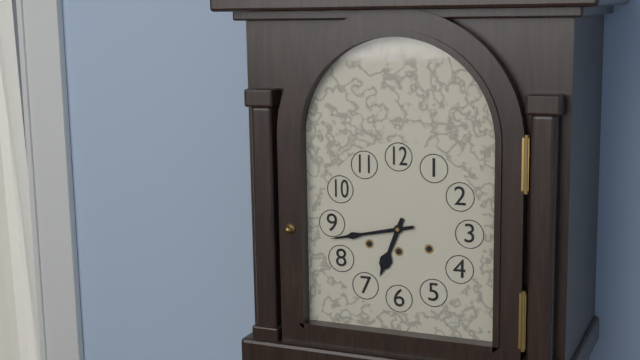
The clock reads {"hour": 6, "minute": 43}
